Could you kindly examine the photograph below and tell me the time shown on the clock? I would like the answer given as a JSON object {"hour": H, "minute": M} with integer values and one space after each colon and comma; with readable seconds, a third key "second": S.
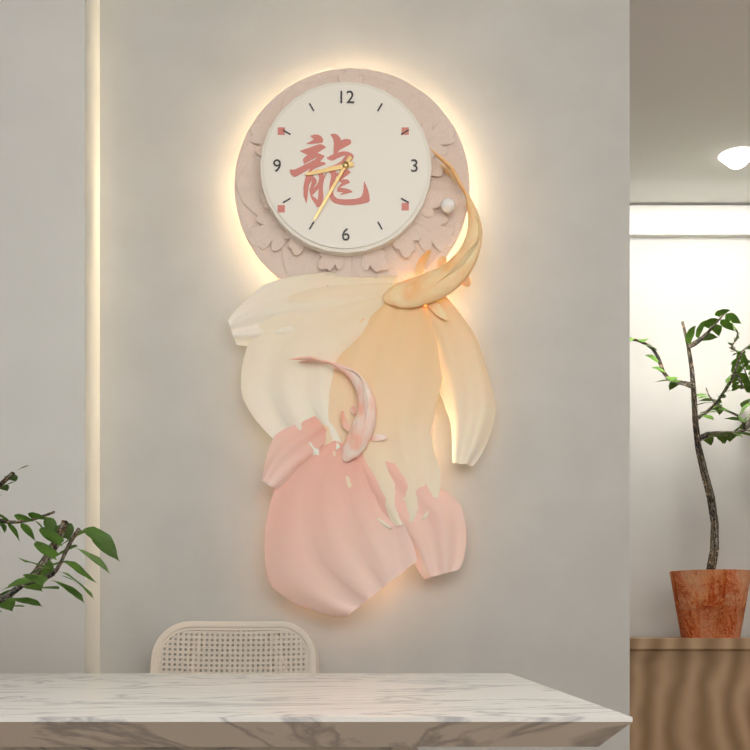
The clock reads {"hour": 8, "minute": 35}
